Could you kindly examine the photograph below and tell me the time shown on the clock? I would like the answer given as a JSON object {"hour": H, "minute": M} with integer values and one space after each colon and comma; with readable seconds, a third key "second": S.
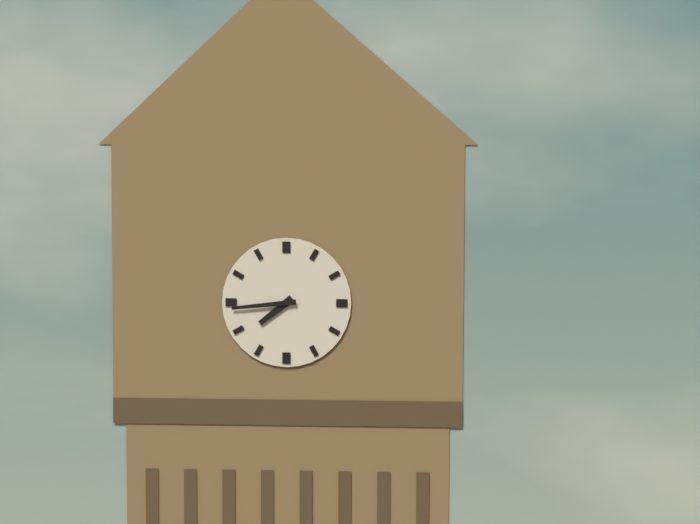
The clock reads {"hour": 7, "minute": 44}
